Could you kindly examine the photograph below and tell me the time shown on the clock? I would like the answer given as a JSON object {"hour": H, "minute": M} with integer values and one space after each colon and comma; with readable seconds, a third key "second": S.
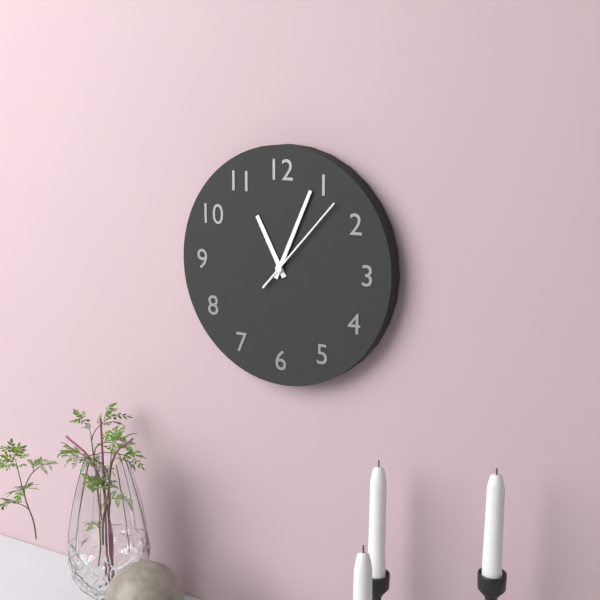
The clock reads {"hour": 11, "minute": 4, "second": 7}
